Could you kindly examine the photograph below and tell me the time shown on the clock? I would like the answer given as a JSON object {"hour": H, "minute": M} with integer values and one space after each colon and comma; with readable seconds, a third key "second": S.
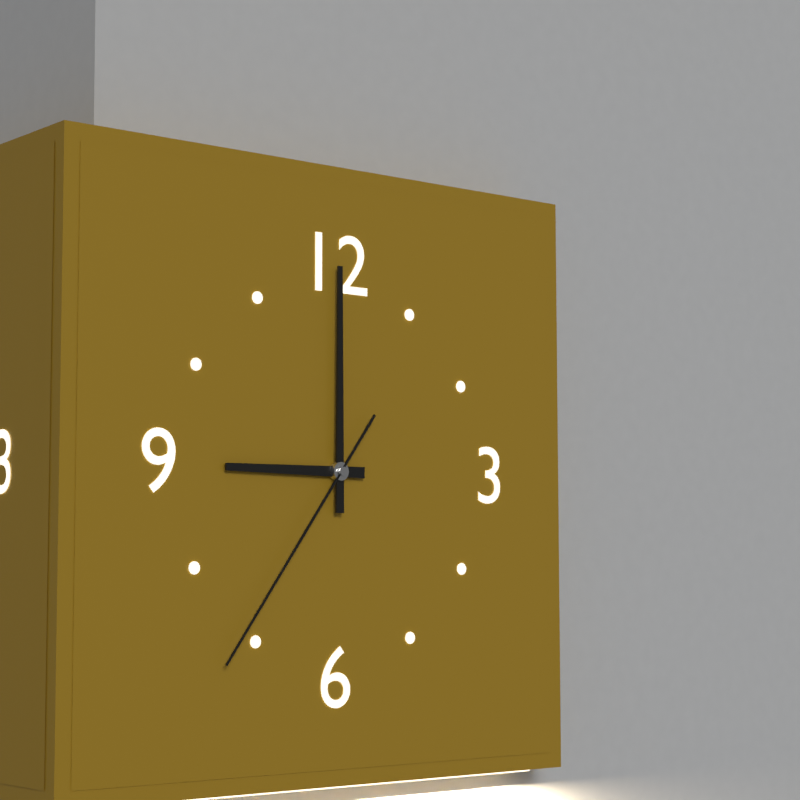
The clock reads {"hour": 9, "minute": 0, "second": 36}
